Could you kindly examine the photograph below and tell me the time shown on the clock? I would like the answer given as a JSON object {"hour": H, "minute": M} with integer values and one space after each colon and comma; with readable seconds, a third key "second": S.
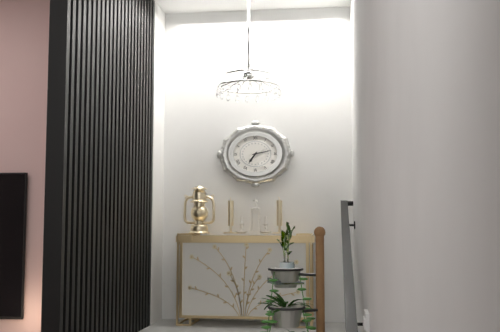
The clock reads {"hour": 7, "minute": 13}
